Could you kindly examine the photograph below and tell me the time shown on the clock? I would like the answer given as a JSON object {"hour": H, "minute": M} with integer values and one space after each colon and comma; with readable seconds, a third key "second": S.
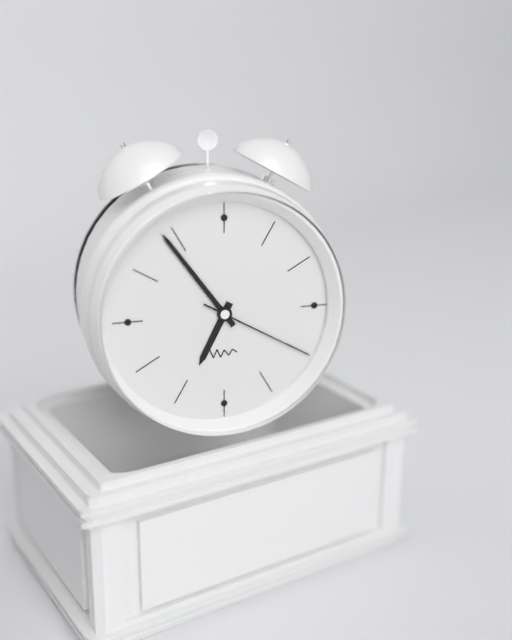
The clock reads {"hour": 6, "minute": 54, "second": 20}
